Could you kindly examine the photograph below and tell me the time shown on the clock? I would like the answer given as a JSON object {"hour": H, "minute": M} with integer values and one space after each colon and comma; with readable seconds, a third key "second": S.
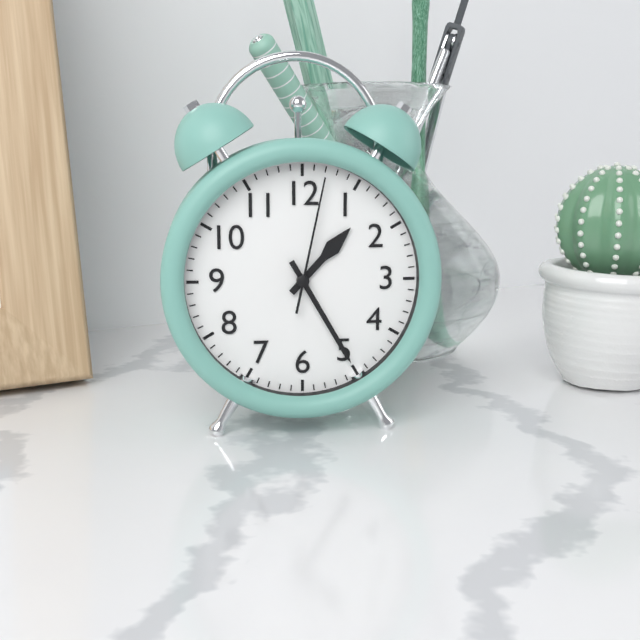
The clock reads {"hour": 1, "minute": 25, "second": 2}
